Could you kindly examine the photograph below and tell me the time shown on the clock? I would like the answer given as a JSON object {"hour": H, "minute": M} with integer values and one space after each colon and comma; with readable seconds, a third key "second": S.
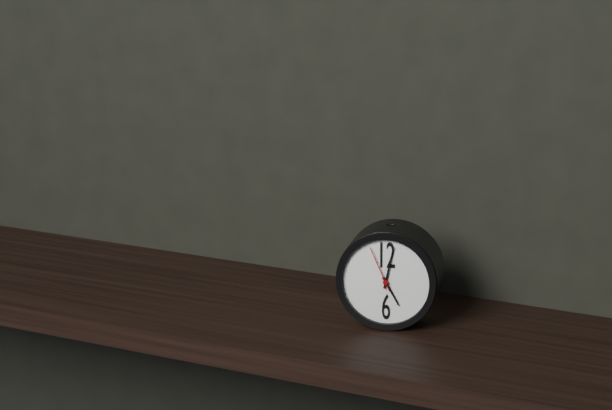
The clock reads {"hour": 5, "minute": 2}
